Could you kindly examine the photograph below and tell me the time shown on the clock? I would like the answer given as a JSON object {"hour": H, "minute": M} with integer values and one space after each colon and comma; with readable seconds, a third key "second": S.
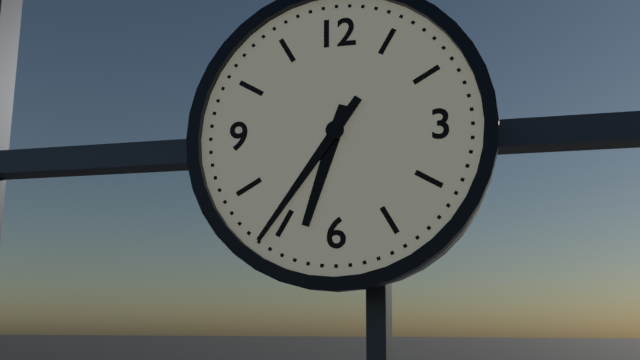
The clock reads {"hour": 6, "minute": 36}
